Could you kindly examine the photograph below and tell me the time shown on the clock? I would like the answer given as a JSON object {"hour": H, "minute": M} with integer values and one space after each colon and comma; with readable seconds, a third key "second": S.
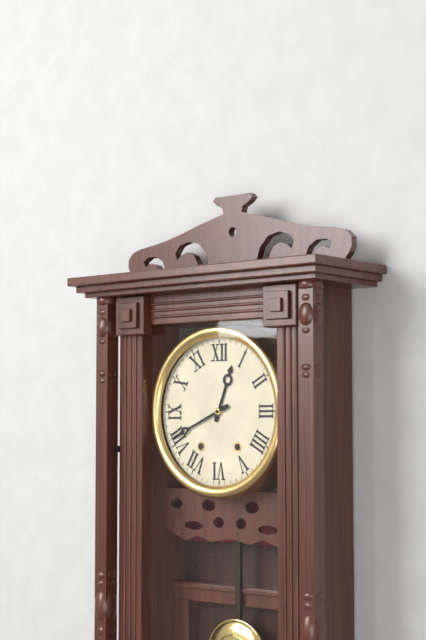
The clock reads {"hour": 12, "minute": 41}
